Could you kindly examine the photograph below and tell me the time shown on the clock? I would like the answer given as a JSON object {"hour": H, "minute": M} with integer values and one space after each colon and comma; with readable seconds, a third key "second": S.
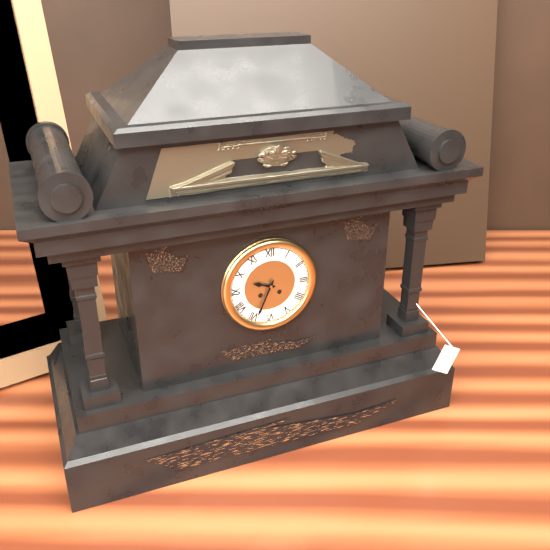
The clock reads {"hour": 9, "minute": 34}
